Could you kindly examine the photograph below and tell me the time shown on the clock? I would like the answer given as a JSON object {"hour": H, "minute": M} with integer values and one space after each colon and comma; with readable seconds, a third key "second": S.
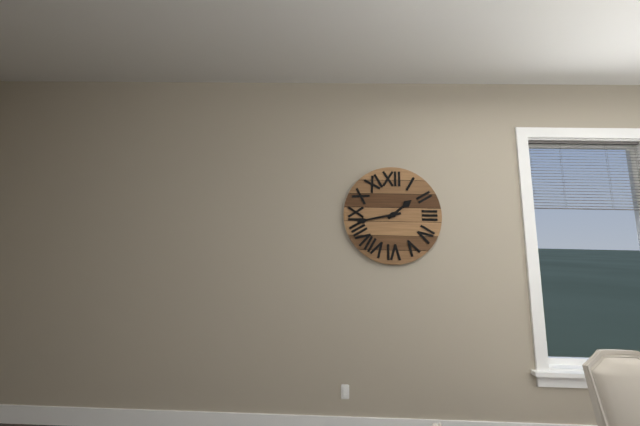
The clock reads {"hour": 1, "minute": 43}
